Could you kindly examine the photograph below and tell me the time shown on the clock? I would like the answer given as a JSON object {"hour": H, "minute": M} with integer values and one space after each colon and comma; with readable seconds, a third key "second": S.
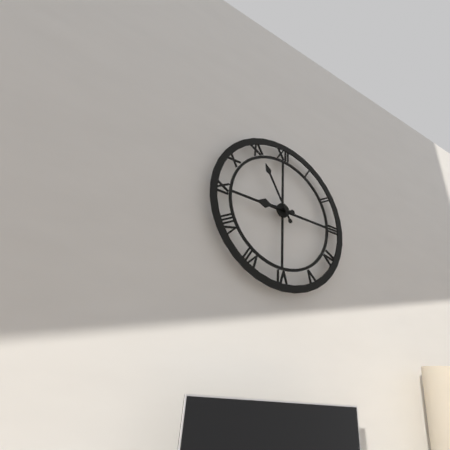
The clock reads {"hour": 8, "minute": 55}
